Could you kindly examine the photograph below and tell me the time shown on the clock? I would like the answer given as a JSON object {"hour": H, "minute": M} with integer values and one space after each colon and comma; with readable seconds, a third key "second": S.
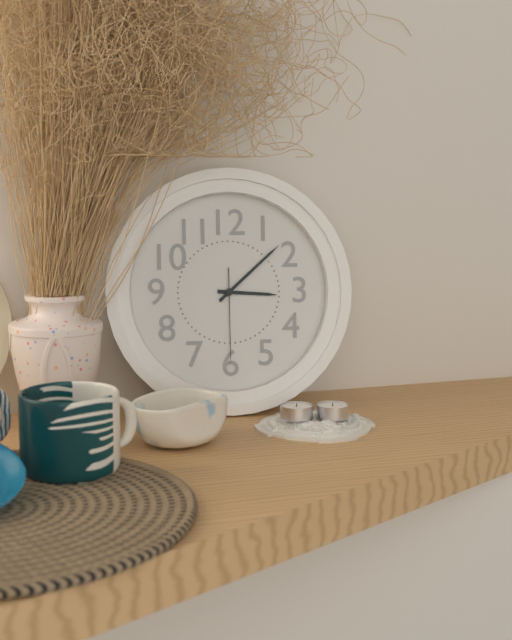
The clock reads {"hour": 3, "minute": 8, "second": 30}
